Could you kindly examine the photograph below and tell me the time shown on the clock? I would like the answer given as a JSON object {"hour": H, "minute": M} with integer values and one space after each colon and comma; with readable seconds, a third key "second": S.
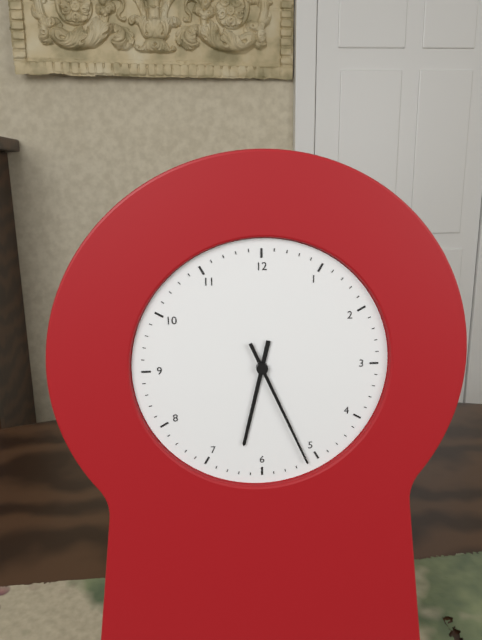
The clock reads {"hour": 6, "minute": 26}
